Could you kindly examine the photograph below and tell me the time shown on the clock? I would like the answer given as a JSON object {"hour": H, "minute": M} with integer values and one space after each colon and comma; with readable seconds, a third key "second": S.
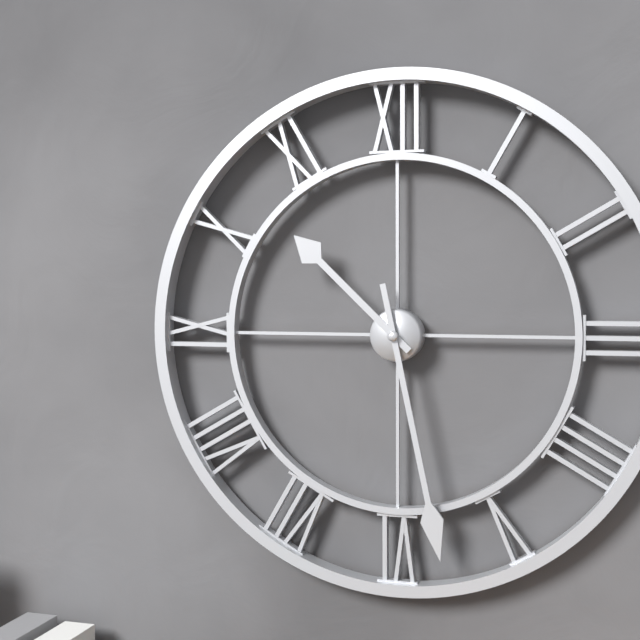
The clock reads {"hour": 10, "minute": 28}
